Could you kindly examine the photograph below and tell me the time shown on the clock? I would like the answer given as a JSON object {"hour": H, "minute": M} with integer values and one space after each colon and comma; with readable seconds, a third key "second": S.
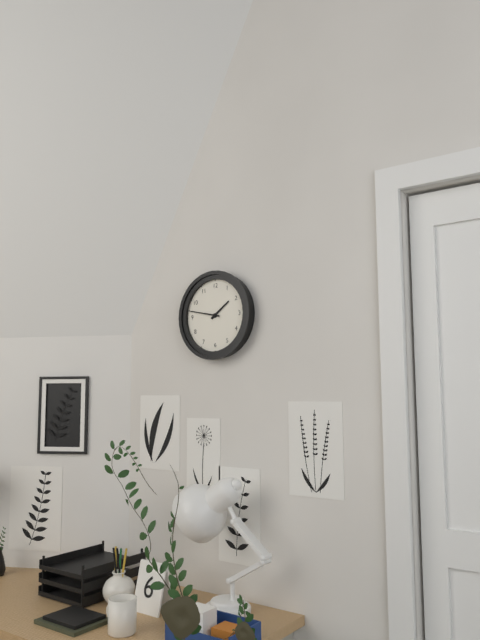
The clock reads {"hour": 1, "minute": 47}
